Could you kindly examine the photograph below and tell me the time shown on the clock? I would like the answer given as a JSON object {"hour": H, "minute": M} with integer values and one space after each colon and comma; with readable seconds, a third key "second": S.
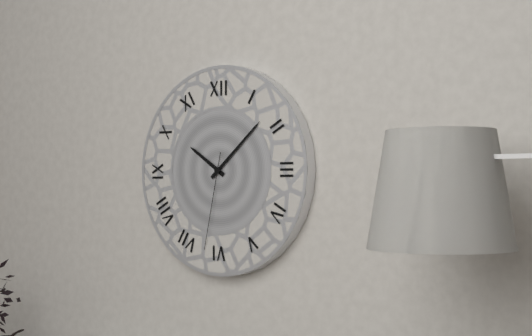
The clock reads {"hour": 10, "minute": 8, "second": 32}
